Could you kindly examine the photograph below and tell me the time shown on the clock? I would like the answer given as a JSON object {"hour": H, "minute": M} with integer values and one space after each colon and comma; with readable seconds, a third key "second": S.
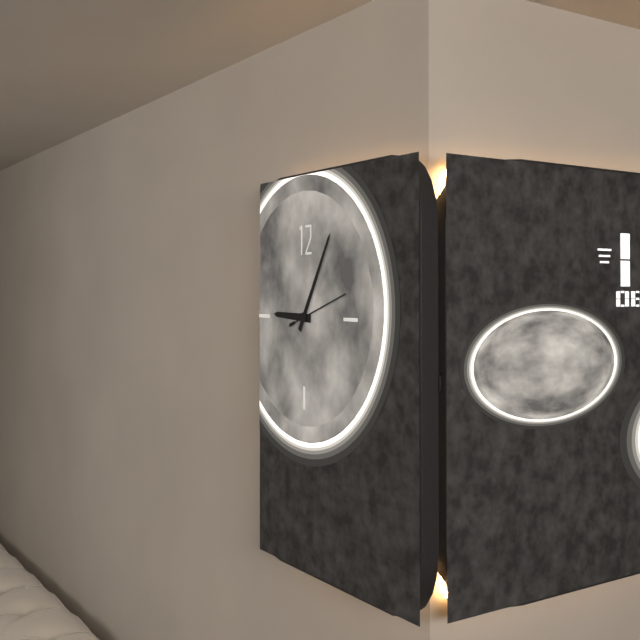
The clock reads {"hour": 9, "minute": 5, "second": 12}
